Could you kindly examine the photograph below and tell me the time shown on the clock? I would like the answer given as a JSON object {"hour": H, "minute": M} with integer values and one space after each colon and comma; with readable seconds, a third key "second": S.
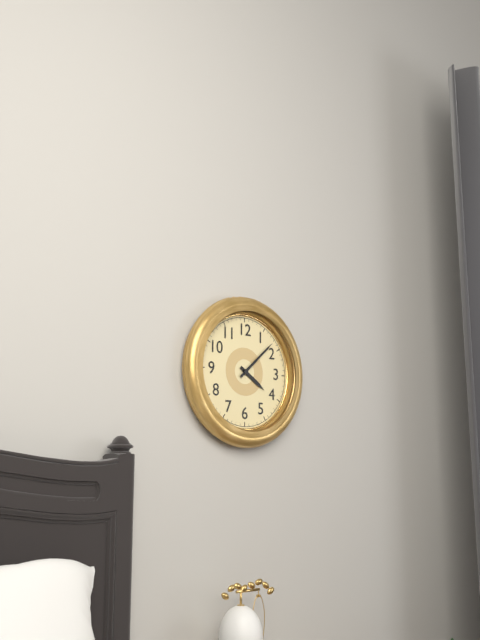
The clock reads {"hour": 4, "minute": 8}
